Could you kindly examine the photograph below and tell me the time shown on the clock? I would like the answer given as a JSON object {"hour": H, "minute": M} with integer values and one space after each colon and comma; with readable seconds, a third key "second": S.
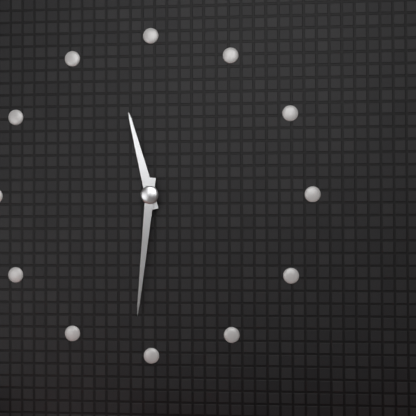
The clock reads {"hour": 11, "minute": 31}
